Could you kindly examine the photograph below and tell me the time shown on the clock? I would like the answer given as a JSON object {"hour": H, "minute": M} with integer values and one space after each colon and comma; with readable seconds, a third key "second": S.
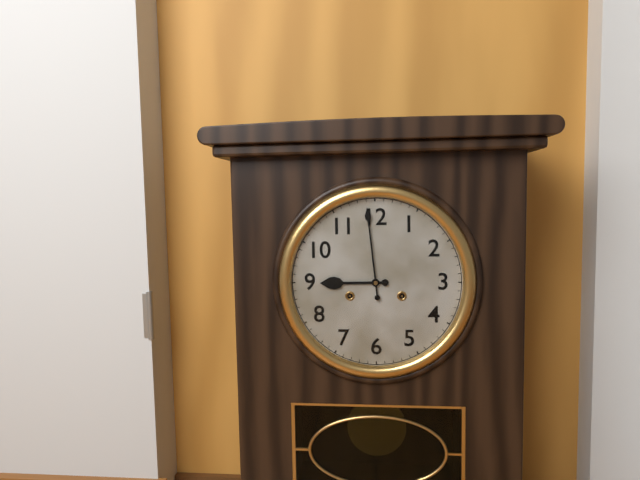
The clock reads {"hour": 8, "minute": 59}
